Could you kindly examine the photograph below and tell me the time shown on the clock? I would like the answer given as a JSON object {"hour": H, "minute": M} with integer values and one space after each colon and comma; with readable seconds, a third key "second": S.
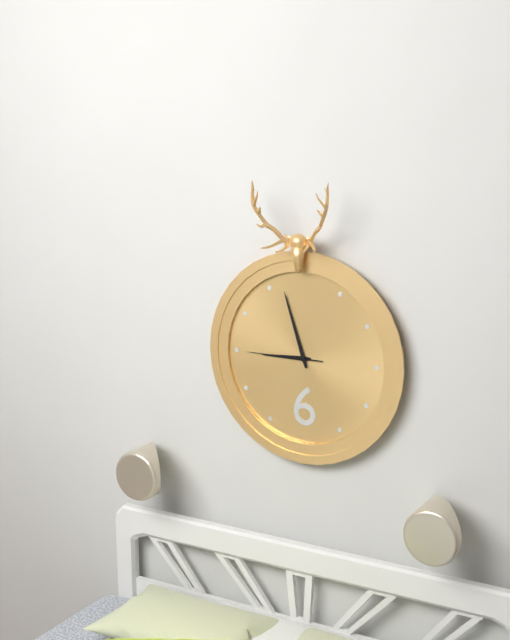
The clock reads {"hour": 8, "minute": 57, "second": 45}
